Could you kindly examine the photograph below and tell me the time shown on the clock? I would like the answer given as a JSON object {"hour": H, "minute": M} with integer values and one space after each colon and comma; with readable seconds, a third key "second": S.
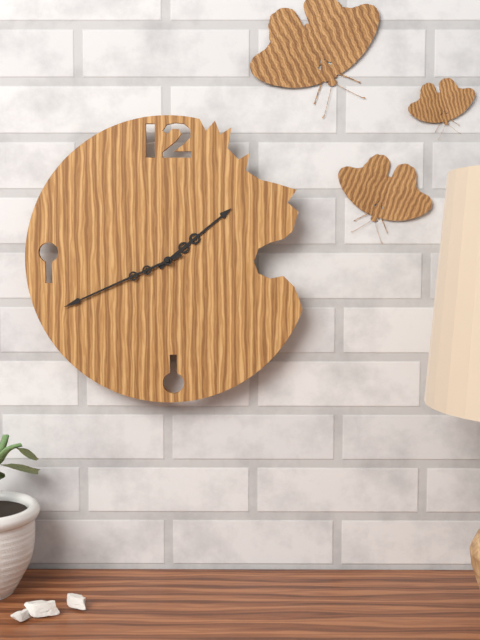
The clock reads {"hour": 1, "minute": 41}
